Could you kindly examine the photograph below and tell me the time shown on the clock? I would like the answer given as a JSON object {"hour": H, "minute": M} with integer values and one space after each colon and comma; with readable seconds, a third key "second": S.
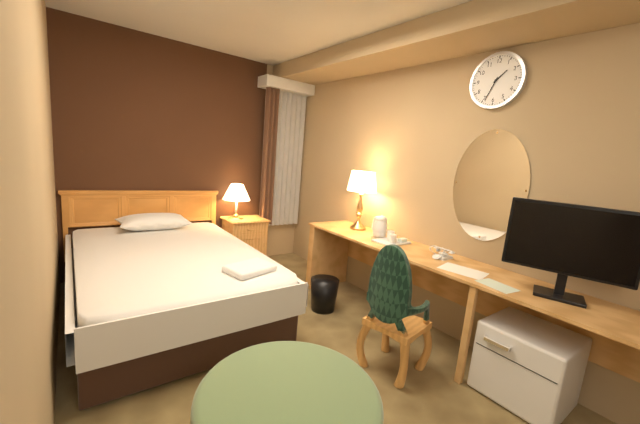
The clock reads {"hour": 1, "minute": 34}
